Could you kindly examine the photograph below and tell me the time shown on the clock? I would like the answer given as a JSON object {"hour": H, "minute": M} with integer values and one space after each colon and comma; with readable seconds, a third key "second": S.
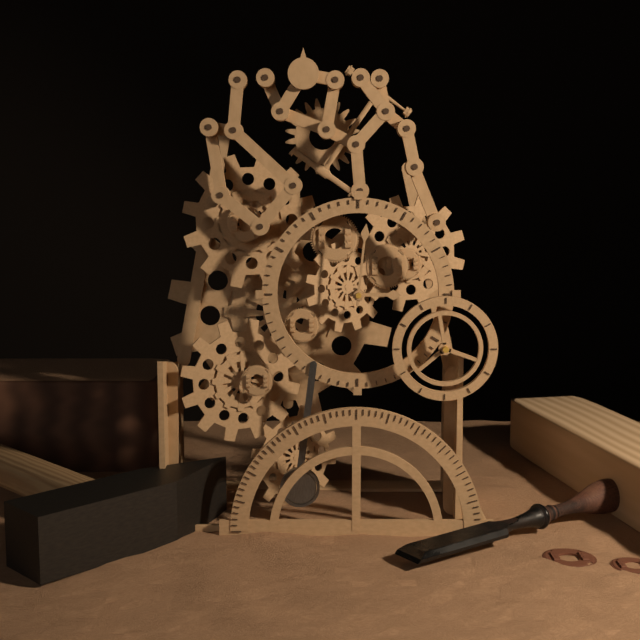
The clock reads {"hour": 3, "minute": 1}
